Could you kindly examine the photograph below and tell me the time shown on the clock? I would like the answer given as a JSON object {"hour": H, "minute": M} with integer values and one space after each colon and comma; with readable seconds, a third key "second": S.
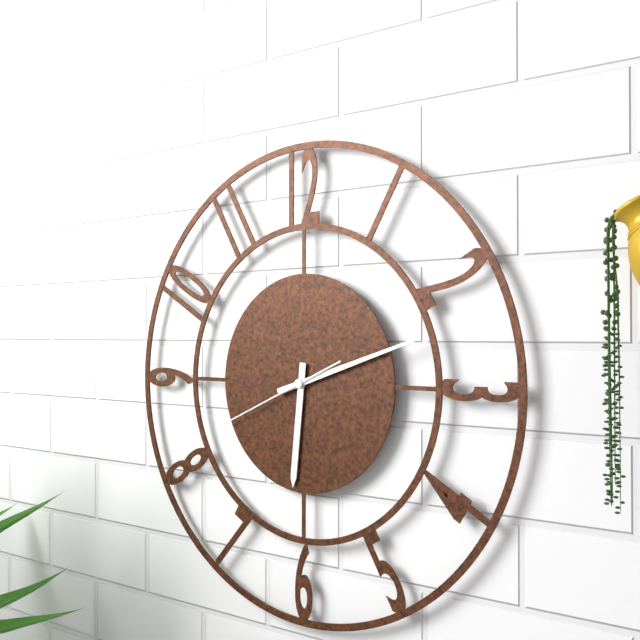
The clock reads {"hour": 6, "minute": 12, "second": 41}
